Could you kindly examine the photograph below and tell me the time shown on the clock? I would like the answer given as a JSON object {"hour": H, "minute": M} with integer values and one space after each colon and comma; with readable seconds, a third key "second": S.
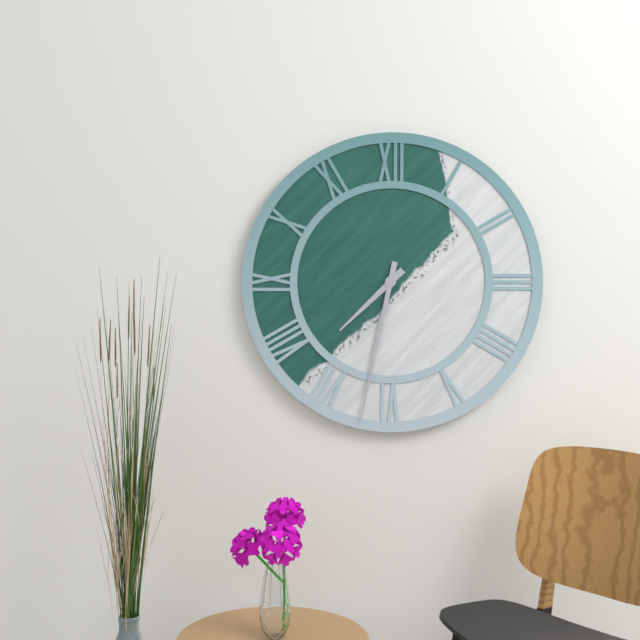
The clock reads {"hour": 7, "minute": 32}
